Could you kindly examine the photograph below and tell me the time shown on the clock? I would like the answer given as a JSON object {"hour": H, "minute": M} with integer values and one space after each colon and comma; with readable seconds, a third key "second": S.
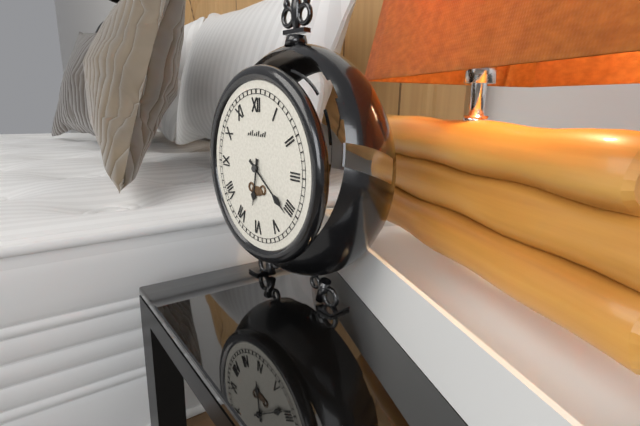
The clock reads {"hour": 6, "minute": 21}
